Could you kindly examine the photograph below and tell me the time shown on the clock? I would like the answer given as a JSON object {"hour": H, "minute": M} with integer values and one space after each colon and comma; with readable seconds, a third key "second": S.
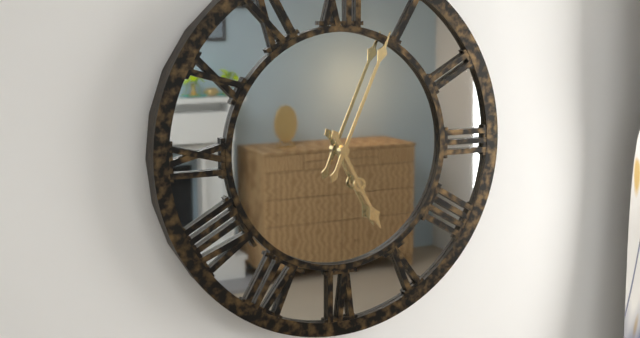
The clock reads {"hour": 5, "minute": 4}
